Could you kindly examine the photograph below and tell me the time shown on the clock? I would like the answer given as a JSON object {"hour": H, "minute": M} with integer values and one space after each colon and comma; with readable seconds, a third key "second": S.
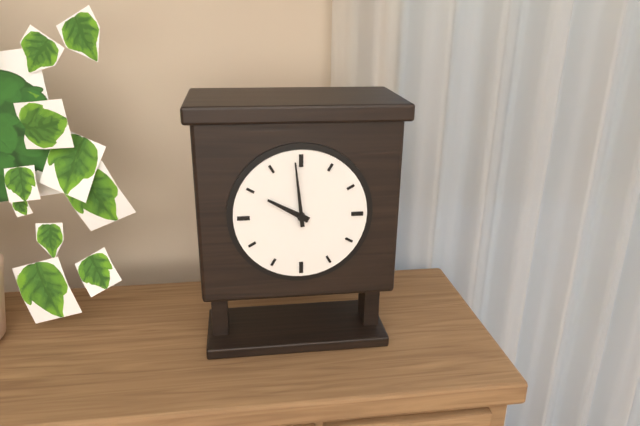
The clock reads {"hour": 9, "minute": 59}
